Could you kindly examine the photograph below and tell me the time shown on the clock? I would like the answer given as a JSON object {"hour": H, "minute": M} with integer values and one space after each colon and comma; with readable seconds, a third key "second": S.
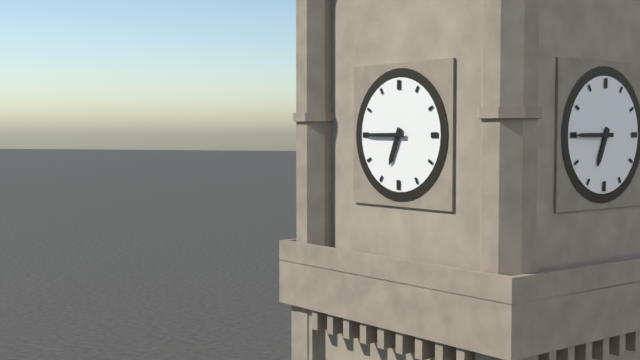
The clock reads {"hour": 6, "minute": 45}
